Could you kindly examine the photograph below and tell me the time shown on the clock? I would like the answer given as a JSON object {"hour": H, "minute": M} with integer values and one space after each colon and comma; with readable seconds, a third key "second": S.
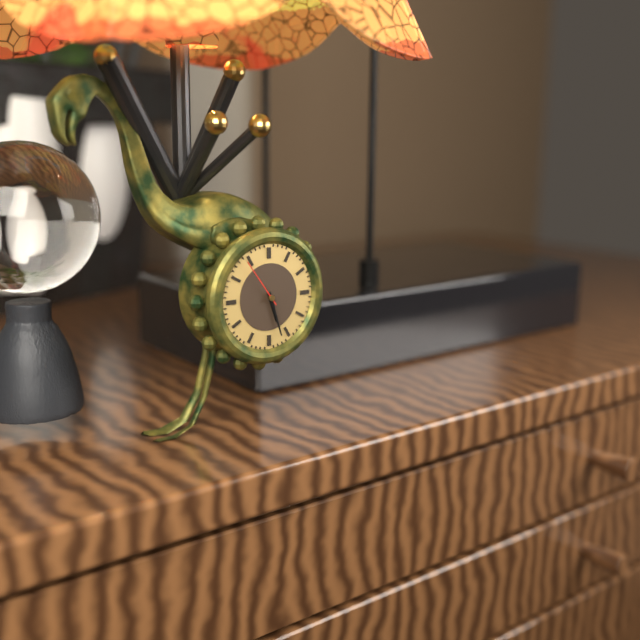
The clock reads {"hour": 5, "minute": 27, "second": 54}
